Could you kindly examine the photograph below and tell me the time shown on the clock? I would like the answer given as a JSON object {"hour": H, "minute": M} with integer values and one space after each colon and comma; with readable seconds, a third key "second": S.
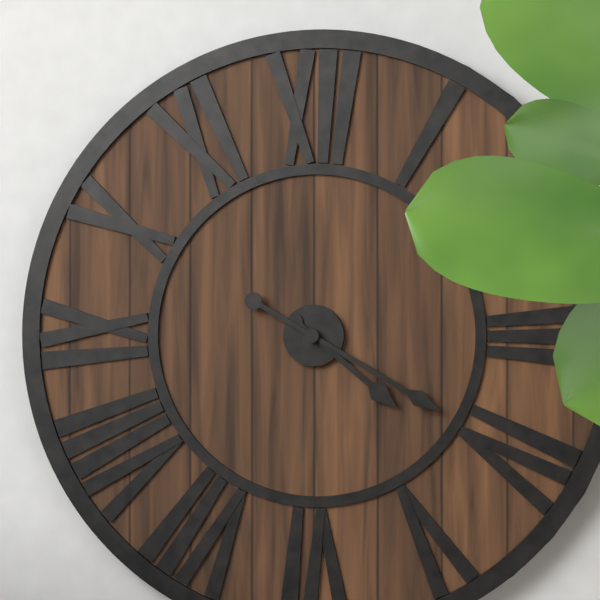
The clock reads {"hour": 4, "minute": 20}
